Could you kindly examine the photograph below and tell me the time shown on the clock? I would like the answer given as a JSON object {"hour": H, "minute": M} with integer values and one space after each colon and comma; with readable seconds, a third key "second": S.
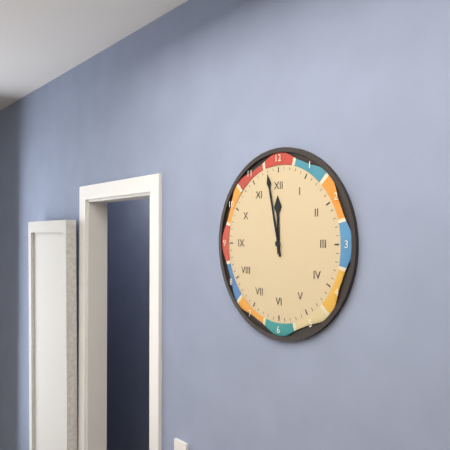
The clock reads {"hour": 11, "minute": 58}
